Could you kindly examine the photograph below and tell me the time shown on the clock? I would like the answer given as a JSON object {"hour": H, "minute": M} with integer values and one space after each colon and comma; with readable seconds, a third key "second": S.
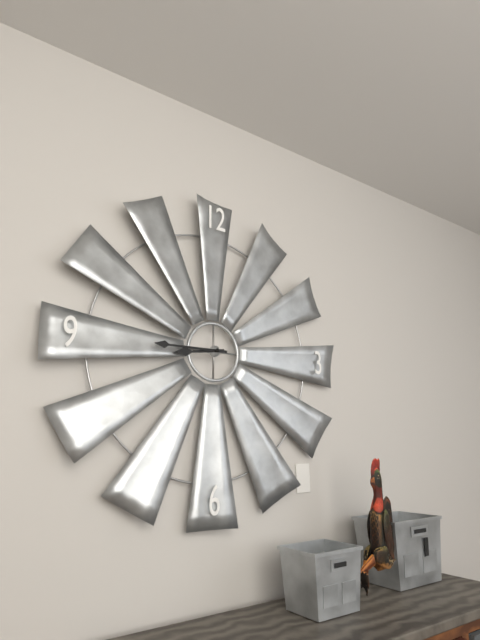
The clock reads {"hour": 8, "minute": 45}
